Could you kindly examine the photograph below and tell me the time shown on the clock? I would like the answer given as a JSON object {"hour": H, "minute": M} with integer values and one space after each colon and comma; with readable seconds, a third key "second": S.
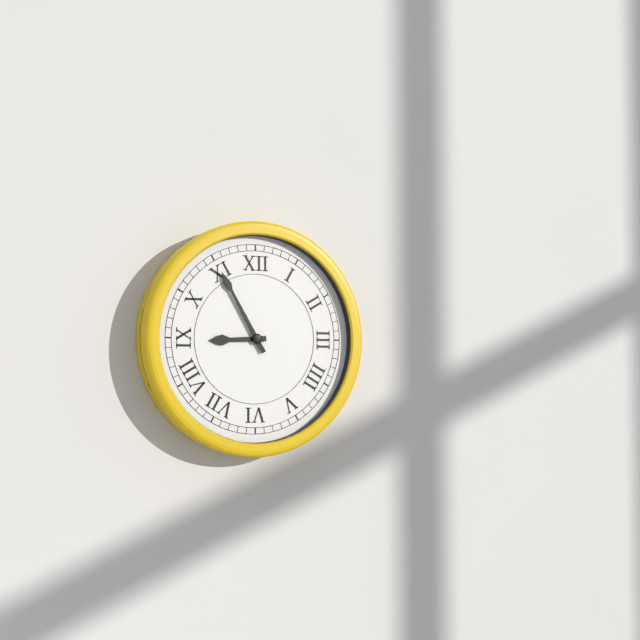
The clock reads {"hour": 8, "minute": 55}
